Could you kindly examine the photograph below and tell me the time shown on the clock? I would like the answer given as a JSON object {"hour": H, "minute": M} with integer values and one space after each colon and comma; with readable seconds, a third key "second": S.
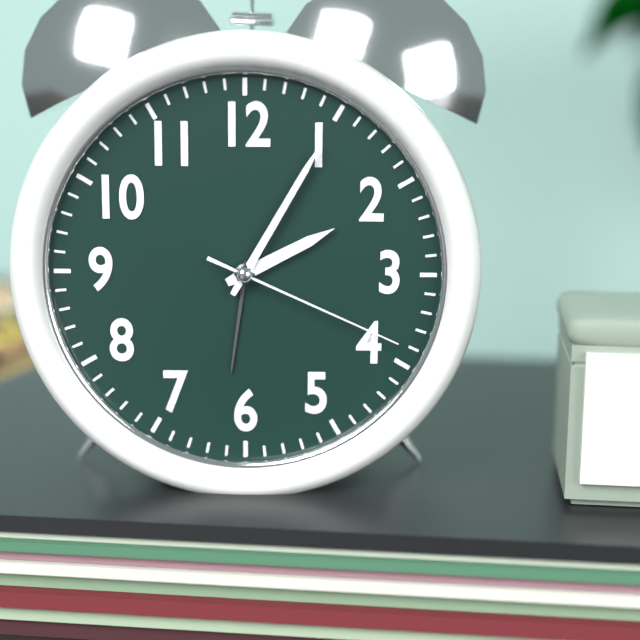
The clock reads {"hour": 2, "minute": 5, "second": 19}
